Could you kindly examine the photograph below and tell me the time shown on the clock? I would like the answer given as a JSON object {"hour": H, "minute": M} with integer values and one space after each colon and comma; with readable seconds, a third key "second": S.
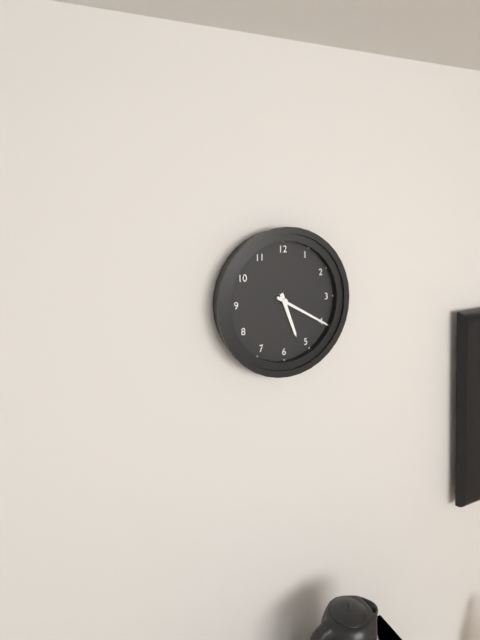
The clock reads {"hour": 5, "minute": 20}
